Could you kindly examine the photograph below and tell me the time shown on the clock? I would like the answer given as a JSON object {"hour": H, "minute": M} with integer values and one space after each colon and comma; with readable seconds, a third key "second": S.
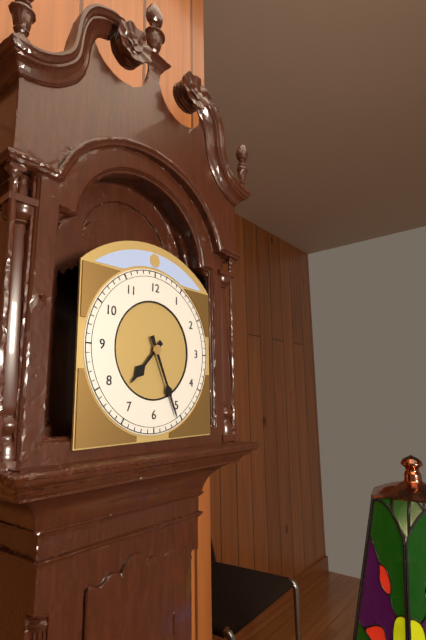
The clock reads {"hour": 7, "minute": 26}
